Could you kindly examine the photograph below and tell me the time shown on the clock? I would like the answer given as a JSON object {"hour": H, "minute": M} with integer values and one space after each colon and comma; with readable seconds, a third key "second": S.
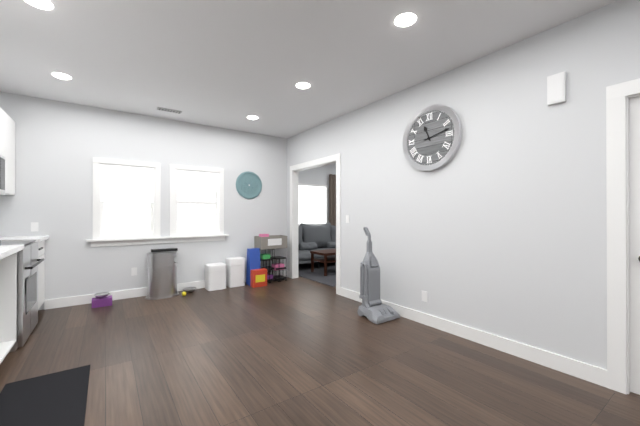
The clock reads {"hour": 11, "minute": 13}
